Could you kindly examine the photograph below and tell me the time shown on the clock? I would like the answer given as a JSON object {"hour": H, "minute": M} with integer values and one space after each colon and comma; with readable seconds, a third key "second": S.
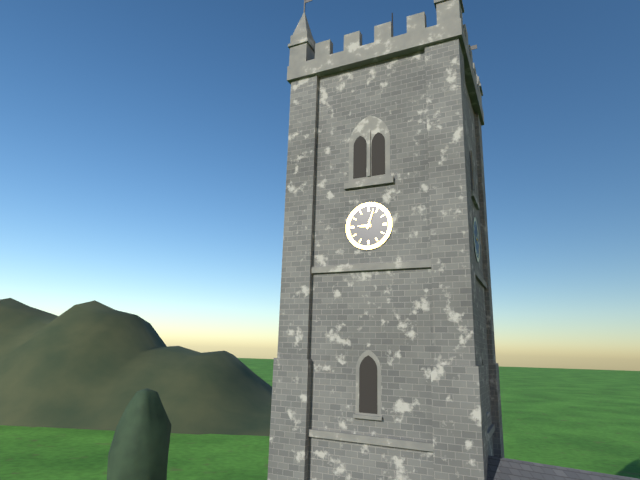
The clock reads {"hour": 9, "minute": 3}
